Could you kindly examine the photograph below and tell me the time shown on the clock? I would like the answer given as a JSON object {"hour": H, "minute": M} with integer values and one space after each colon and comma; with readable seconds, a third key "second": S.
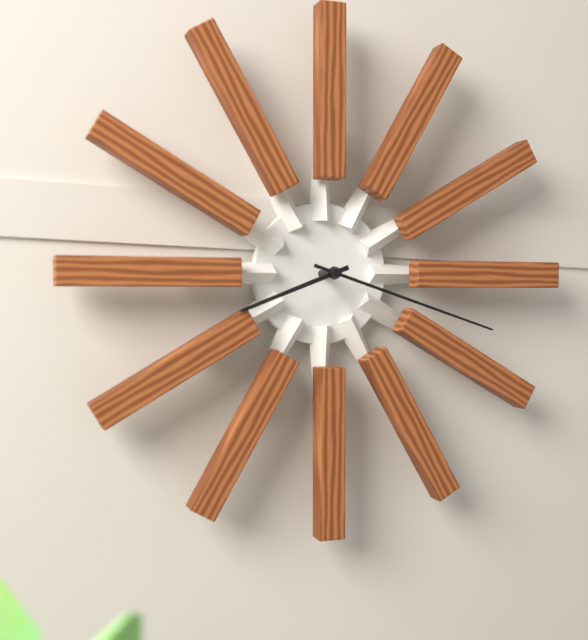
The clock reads {"hour": 8, "minute": 18}
